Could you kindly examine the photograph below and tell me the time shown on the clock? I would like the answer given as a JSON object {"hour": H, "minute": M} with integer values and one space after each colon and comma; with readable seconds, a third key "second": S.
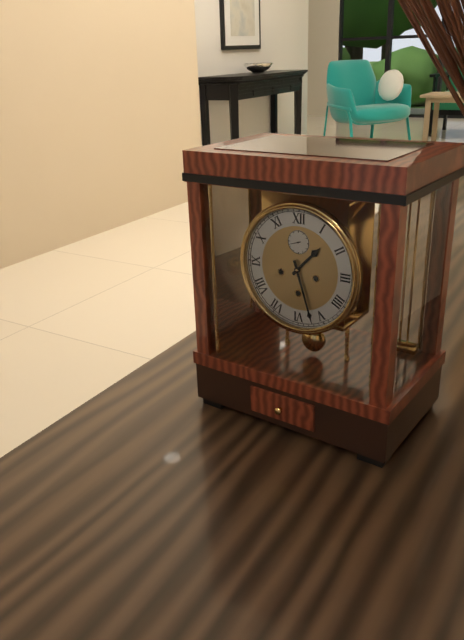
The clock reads {"hour": 1, "minute": 27}
